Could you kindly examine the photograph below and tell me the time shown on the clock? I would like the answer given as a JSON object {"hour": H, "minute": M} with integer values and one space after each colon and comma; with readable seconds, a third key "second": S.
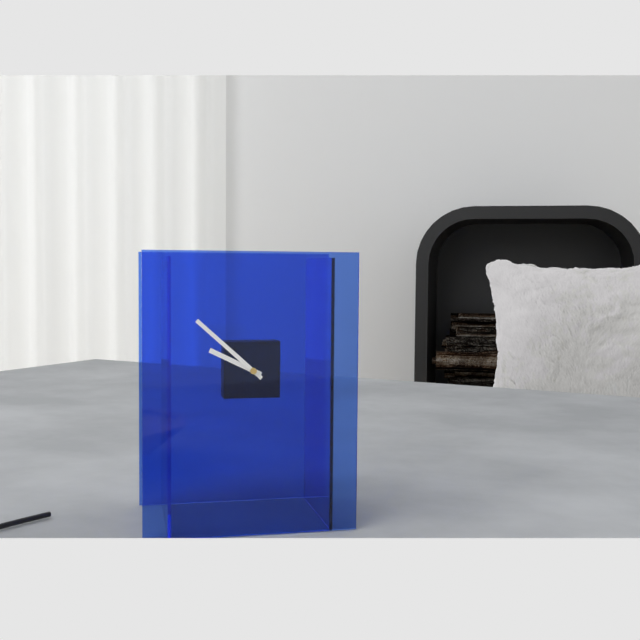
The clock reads {"hour": 9, "minute": 52}
